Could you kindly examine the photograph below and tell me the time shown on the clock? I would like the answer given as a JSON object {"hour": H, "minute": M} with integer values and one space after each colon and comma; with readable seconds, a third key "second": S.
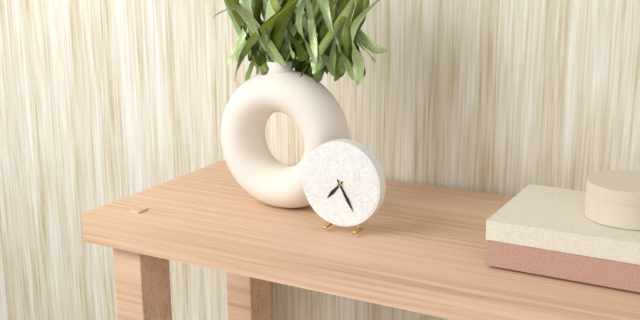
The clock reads {"hour": 7, "minute": 25}
